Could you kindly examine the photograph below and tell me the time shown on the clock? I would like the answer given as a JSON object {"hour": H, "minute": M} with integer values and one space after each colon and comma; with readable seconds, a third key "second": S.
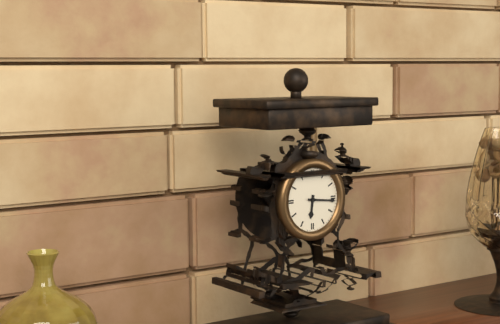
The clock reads {"hour": 6, "minute": 16}
